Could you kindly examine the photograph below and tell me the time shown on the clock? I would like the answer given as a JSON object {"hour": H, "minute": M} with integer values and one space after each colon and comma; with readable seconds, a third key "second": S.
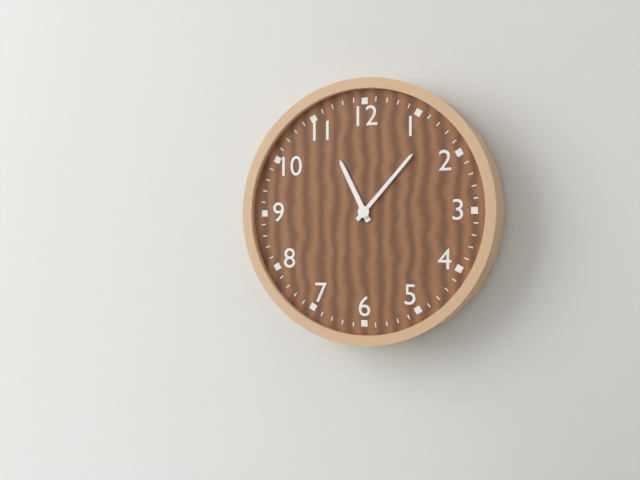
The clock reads {"hour": 11, "minute": 7}
